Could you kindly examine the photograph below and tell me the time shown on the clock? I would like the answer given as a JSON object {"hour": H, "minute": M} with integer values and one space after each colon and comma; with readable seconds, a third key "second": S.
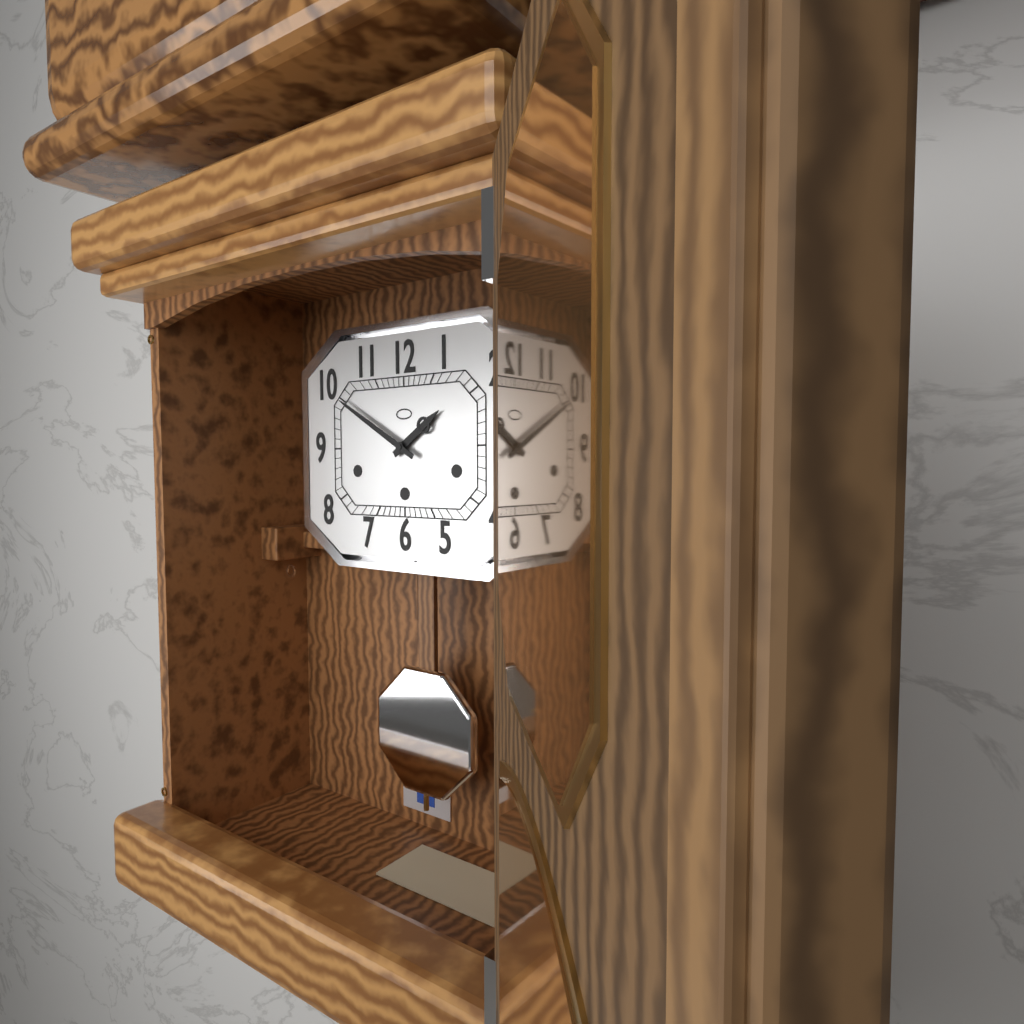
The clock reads {"hour": 1, "minute": 50}
